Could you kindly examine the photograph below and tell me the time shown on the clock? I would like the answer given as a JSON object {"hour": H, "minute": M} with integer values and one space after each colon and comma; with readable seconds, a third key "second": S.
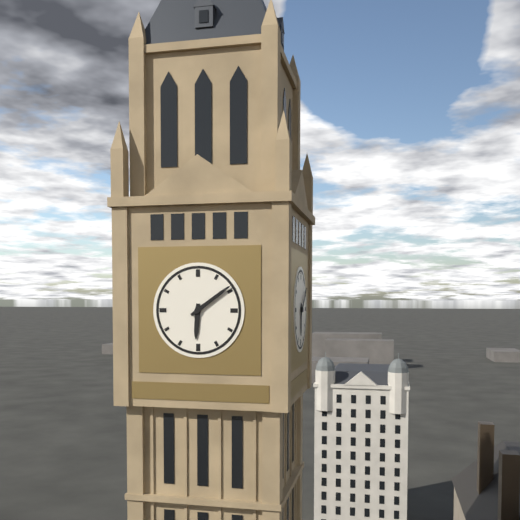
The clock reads {"hour": 6, "minute": 9}
